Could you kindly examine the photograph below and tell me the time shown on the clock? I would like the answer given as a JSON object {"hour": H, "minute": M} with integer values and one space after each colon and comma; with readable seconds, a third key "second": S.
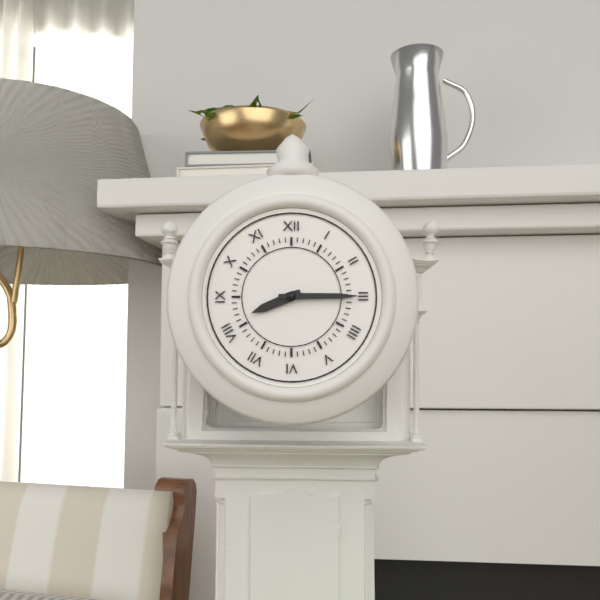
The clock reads {"hour": 8, "minute": 15}
